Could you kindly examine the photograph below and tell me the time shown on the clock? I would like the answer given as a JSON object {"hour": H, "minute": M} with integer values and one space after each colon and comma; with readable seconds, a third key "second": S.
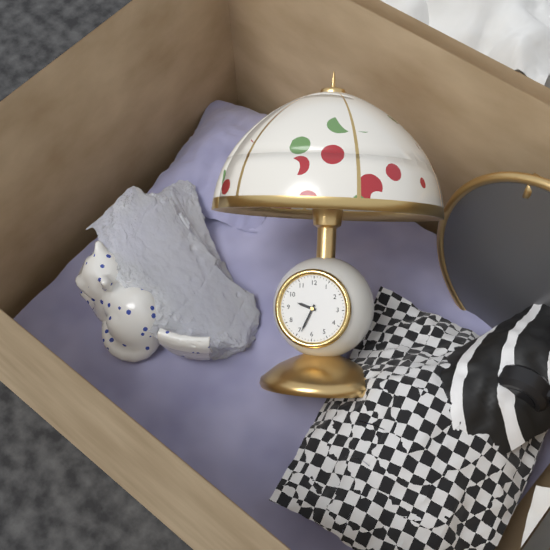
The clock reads {"hour": 9, "minute": 34}
